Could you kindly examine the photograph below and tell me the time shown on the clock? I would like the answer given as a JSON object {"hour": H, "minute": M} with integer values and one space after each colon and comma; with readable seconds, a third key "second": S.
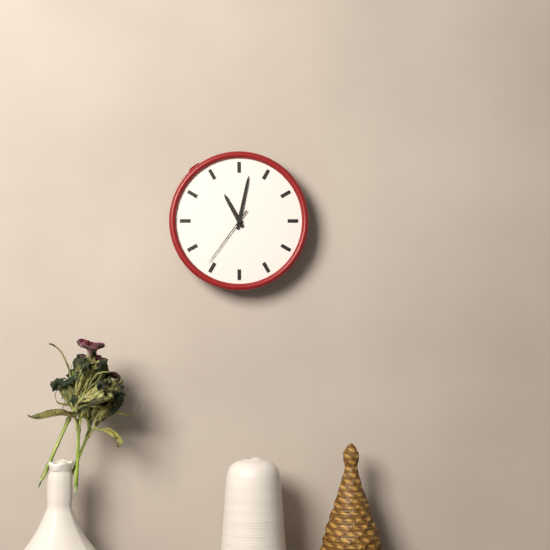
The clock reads {"hour": 11, "minute": 2, "second": 36}
